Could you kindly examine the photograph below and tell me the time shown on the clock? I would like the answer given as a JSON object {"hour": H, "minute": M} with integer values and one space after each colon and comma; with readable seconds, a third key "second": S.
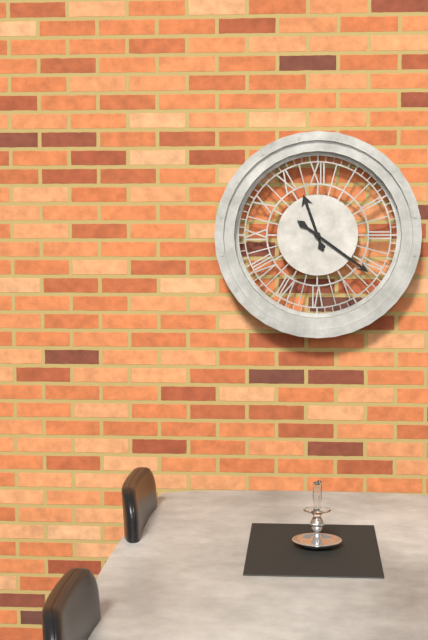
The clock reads {"hour": 11, "minute": 21}
